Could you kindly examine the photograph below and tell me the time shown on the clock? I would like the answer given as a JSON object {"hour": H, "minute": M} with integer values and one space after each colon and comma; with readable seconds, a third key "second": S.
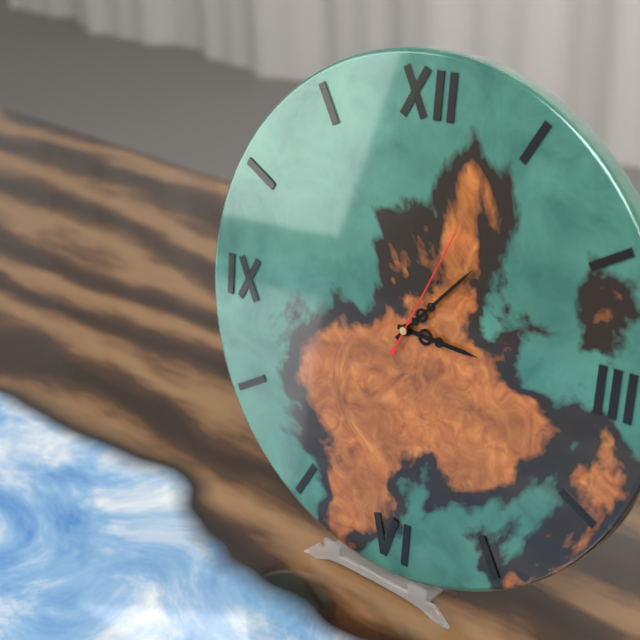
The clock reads {"hour": 3, "minute": 7, "second": 4}
